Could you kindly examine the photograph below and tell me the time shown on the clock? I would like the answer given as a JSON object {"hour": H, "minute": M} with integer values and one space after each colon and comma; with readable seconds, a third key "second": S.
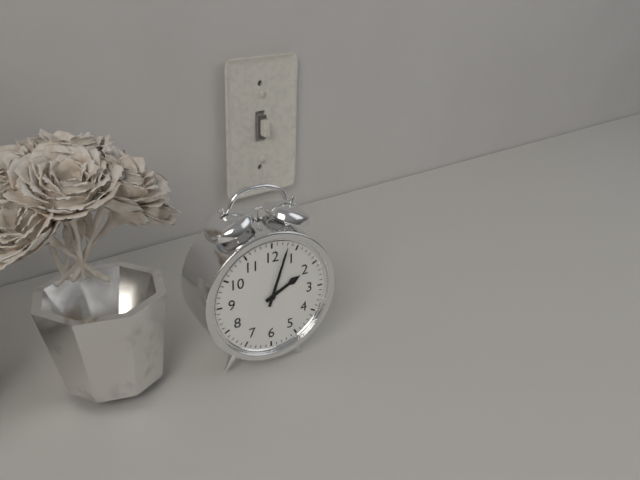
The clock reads {"hour": 2, "minute": 3}
